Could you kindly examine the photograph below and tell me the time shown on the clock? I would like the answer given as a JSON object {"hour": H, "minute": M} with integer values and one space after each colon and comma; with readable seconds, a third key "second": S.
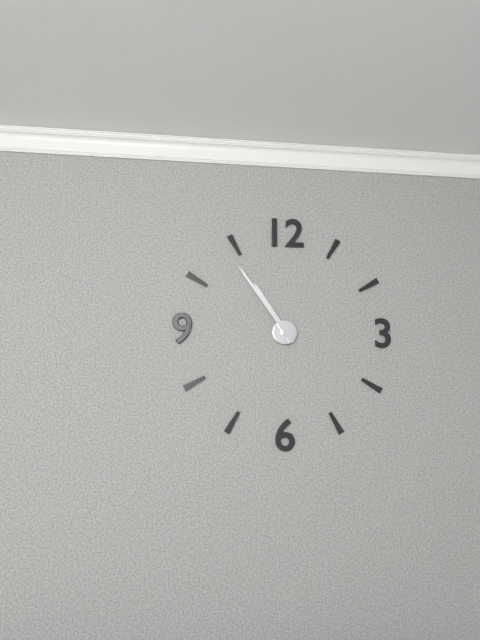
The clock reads {"hour": 10, "minute": 54}
